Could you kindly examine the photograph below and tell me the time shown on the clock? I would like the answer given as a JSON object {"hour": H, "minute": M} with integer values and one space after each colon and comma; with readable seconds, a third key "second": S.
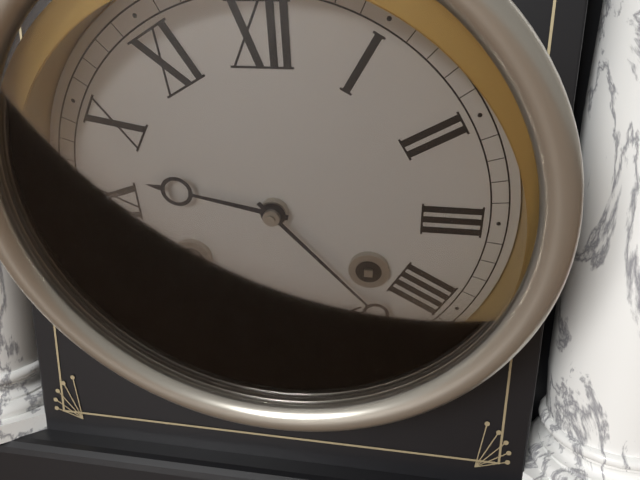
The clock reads {"hour": 9, "minute": 23}
